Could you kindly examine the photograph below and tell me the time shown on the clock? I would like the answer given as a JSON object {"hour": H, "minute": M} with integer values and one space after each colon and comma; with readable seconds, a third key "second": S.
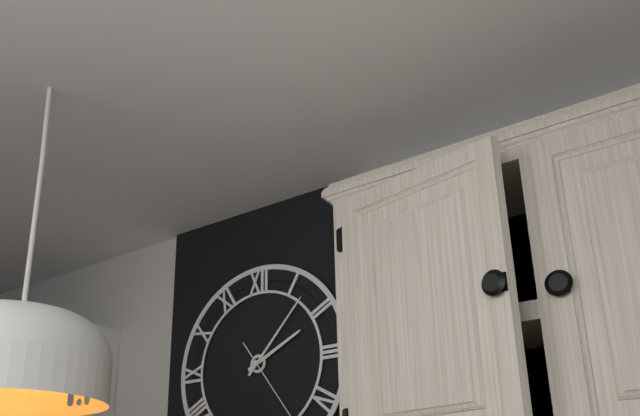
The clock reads {"hour": 2, "minute": 7}
